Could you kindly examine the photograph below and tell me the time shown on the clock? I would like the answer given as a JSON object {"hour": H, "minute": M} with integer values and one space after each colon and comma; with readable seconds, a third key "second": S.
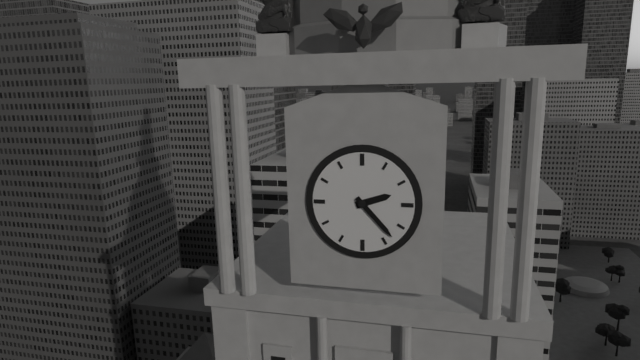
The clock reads {"hour": 2, "minute": 23}
